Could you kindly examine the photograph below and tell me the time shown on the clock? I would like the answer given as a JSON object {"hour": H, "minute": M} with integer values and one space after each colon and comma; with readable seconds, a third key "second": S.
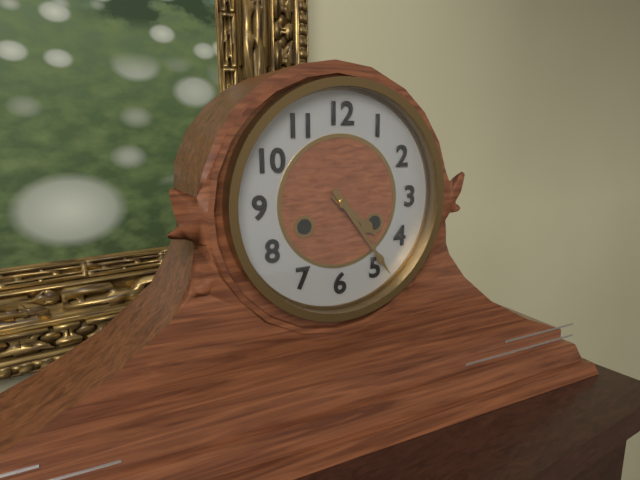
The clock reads {"hour": 4, "minute": 24}
